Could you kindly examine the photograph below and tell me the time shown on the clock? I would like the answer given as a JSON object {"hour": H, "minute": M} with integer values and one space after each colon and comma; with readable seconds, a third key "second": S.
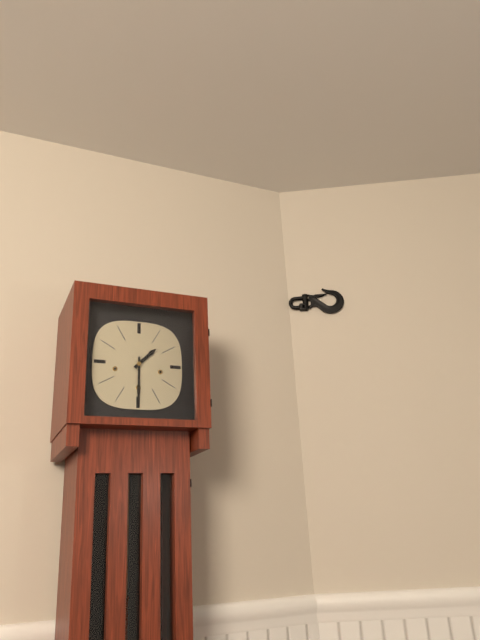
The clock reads {"hour": 1, "minute": 30}
